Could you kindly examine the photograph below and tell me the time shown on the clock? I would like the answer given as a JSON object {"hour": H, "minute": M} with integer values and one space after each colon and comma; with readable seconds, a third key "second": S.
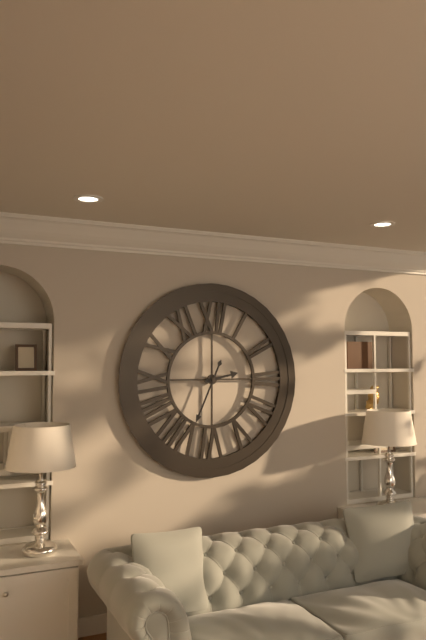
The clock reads {"hour": 2, "minute": 34}
